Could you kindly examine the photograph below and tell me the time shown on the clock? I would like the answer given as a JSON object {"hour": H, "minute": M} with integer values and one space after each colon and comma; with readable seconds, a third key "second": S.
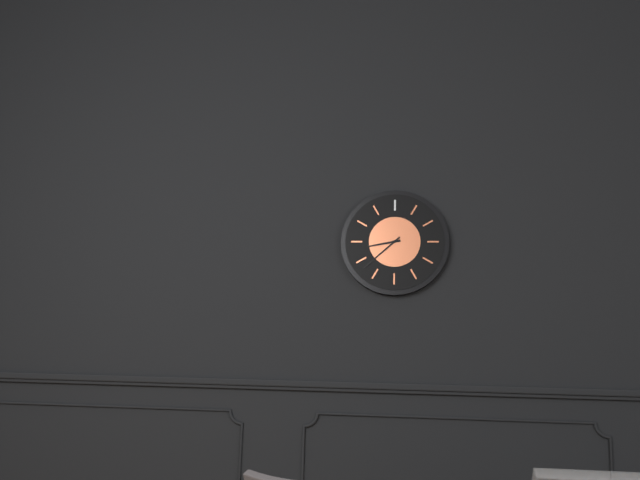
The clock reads {"hour": 8, "minute": 38}
